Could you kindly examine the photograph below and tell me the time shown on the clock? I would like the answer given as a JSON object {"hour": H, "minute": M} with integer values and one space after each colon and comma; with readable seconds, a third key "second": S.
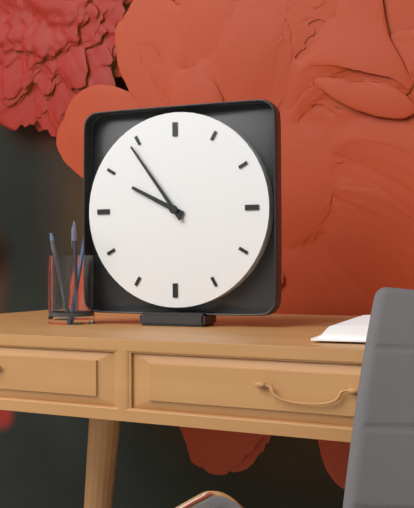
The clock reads {"hour": 9, "minute": 54}
